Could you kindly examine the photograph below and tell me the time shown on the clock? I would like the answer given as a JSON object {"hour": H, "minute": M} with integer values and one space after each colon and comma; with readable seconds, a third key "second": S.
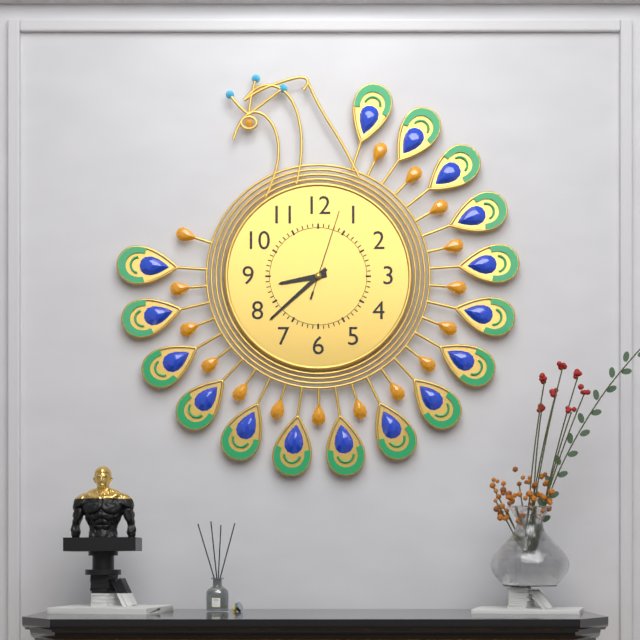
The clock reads {"hour": 8, "minute": 38, "second": 3}
